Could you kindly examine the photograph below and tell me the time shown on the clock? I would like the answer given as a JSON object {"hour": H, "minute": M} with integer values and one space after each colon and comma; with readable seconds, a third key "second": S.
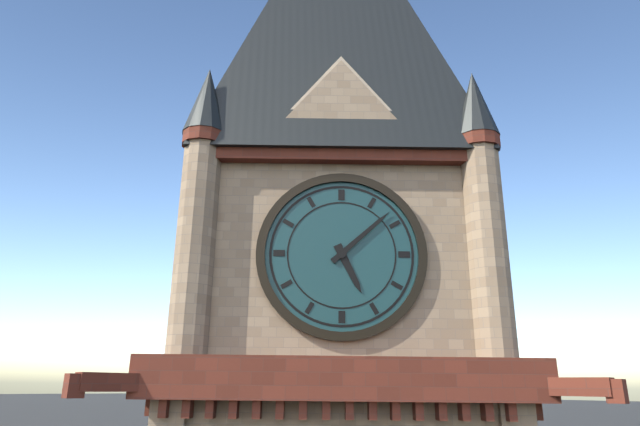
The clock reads {"hour": 5, "minute": 8}
